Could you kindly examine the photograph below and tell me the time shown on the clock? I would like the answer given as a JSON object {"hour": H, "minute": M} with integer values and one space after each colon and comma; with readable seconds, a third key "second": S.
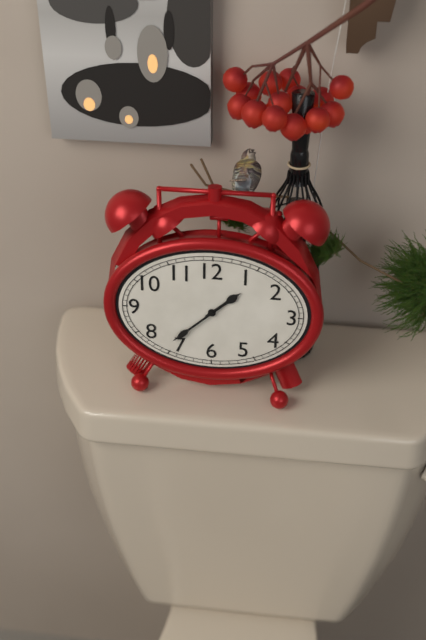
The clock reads {"hour": 1, "minute": 38}
